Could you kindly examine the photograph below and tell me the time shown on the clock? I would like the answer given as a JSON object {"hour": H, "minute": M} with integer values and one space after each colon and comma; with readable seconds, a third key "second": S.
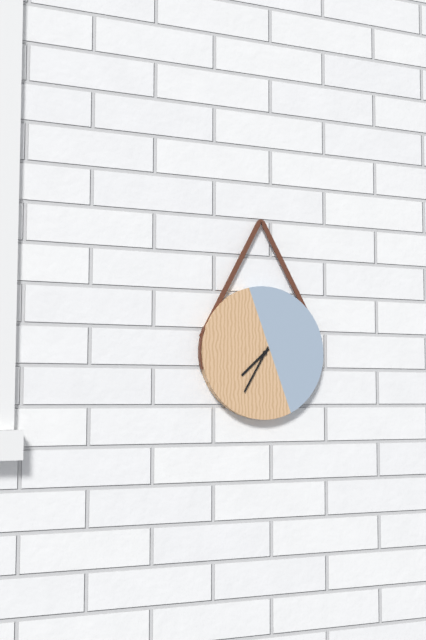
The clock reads {"hour": 7, "minute": 35}
